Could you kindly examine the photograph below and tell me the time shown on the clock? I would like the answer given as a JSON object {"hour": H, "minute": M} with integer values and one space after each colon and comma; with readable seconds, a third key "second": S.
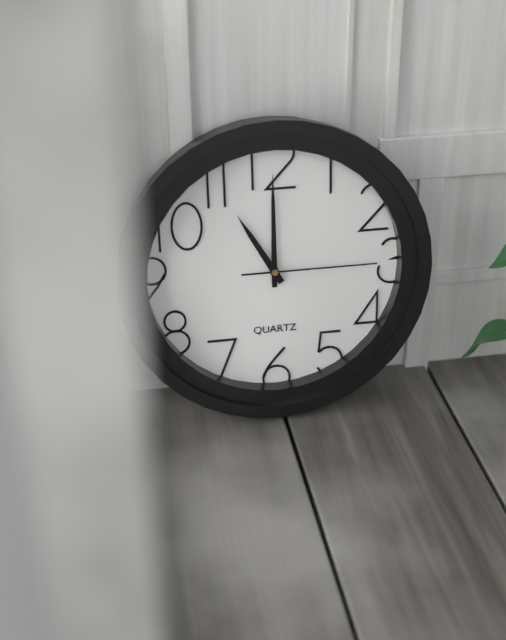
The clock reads {"hour": 11, "minute": 0, "second": 15}
